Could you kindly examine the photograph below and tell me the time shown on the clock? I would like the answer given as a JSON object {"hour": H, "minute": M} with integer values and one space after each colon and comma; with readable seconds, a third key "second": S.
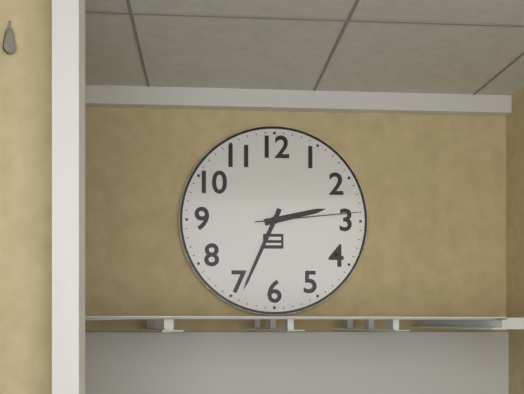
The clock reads {"hour": 2, "minute": 34, "second": 14}
